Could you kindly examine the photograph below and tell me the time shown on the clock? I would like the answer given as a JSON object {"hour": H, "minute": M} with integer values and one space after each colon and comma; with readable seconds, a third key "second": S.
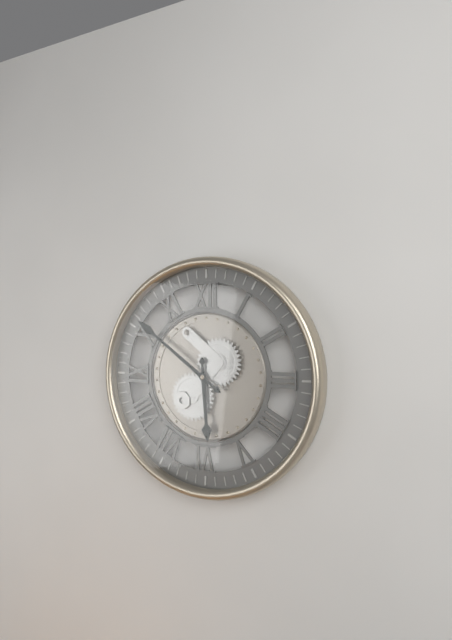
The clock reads {"hour": 5, "minute": 51}
